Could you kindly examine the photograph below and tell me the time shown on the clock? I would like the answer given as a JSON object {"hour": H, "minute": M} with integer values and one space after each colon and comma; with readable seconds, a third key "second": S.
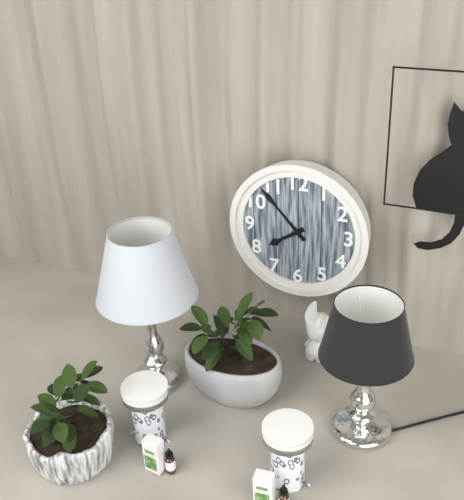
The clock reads {"hour": 7, "minute": 53}
